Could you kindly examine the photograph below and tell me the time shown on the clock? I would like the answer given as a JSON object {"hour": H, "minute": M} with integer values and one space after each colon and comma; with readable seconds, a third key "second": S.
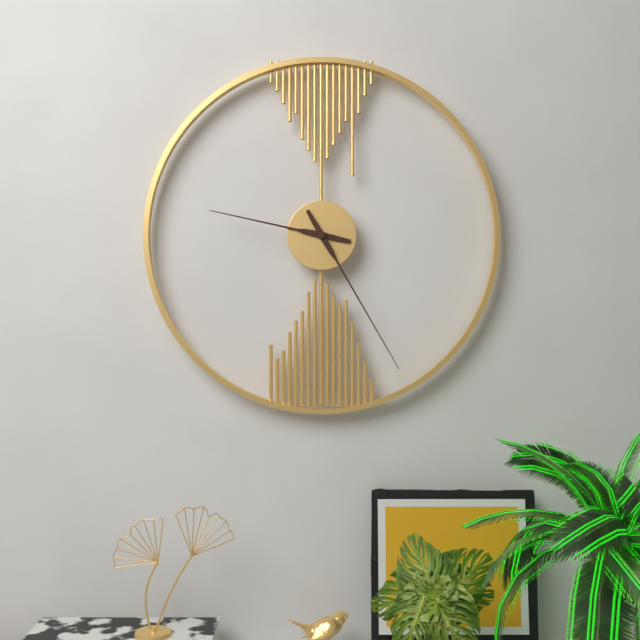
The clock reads {"hour": 9, "minute": 25}
